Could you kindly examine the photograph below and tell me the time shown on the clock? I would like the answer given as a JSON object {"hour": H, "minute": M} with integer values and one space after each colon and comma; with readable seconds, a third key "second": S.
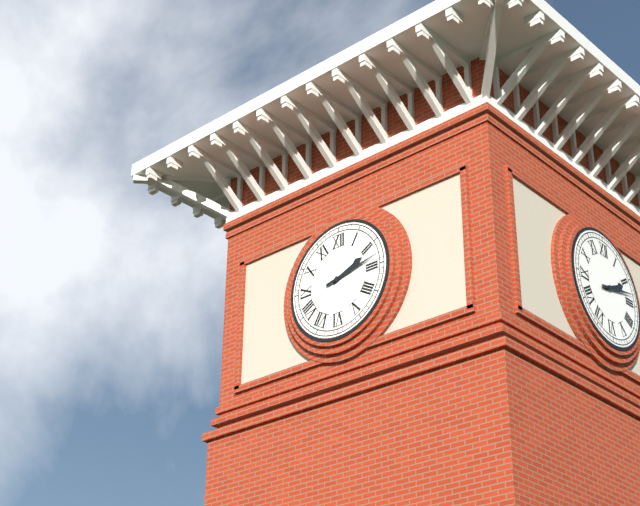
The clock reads {"hour": 2, "minute": 13}
